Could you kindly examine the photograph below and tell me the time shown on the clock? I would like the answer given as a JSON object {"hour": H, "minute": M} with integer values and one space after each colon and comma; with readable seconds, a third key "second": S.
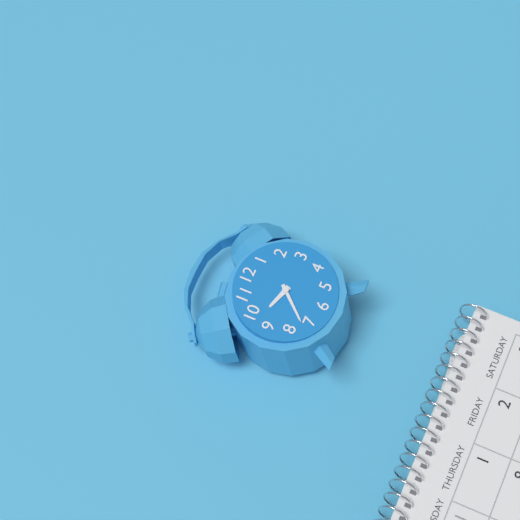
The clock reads {"hour": 9, "minute": 37}
